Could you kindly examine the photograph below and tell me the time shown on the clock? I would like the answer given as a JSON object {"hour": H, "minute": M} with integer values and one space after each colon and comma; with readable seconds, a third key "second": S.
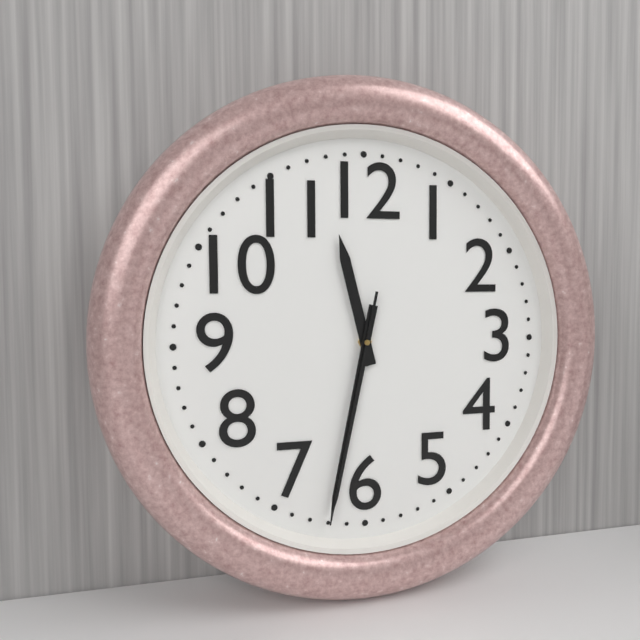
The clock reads {"hour": 11, "minute": 32, "second": 32}
